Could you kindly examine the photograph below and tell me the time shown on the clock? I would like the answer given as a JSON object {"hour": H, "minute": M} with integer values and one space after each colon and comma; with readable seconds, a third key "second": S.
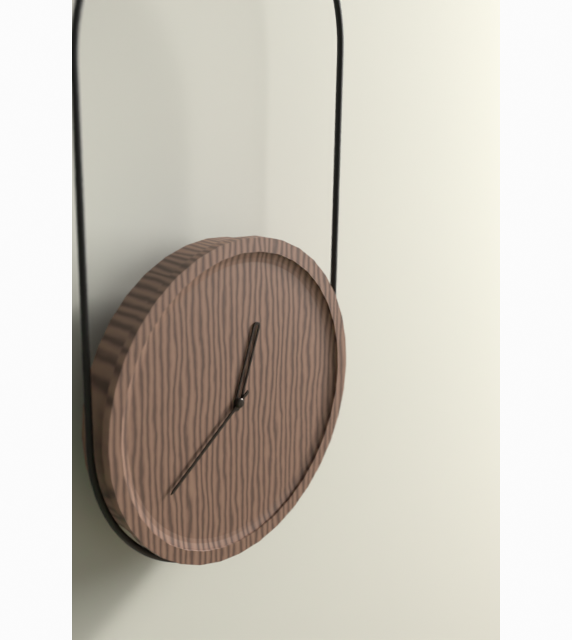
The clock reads {"hour": 12, "minute": 39}
